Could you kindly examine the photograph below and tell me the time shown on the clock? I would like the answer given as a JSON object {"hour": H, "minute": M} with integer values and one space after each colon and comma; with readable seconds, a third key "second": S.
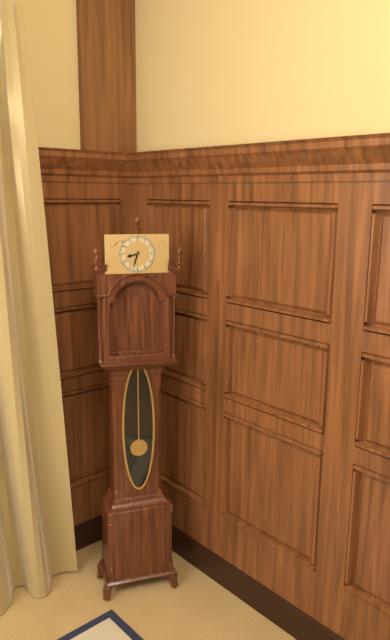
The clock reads {"hour": 8, "minute": 33}
